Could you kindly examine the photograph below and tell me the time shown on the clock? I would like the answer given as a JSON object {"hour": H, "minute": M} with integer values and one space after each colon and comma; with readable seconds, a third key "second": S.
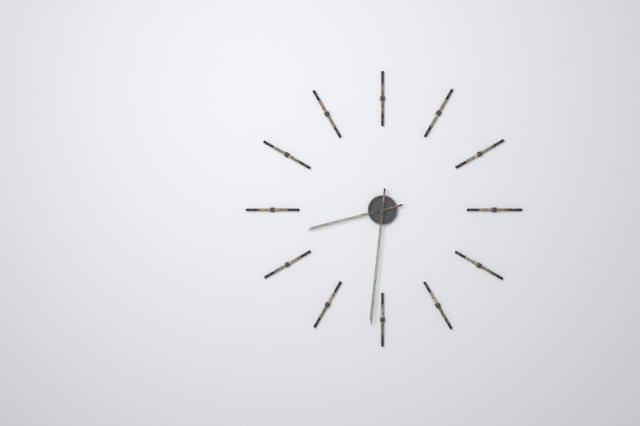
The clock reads {"hour": 8, "minute": 31}
